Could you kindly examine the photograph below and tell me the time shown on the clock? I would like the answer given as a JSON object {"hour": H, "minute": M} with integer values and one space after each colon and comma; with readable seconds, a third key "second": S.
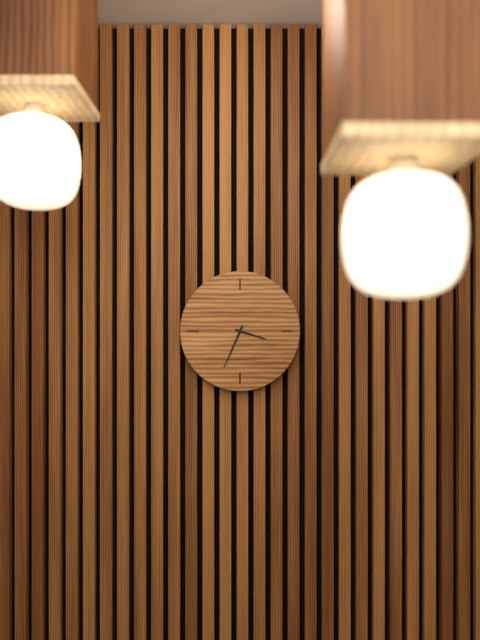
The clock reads {"hour": 3, "minute": 34}
